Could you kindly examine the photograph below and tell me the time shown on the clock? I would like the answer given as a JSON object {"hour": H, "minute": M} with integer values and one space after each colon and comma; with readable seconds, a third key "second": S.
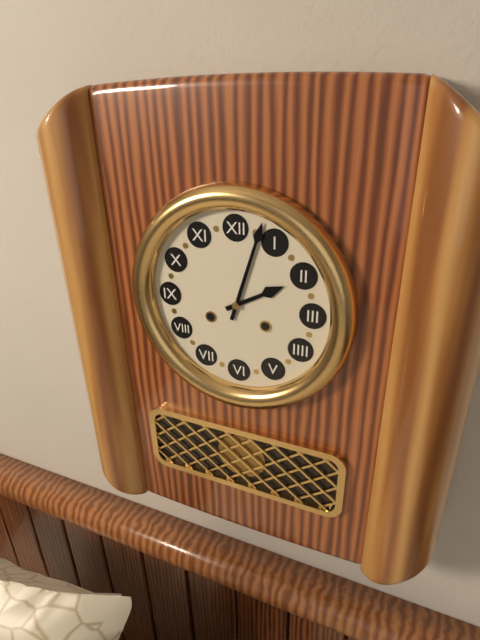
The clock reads {"hour": 2, "minute": 3}
